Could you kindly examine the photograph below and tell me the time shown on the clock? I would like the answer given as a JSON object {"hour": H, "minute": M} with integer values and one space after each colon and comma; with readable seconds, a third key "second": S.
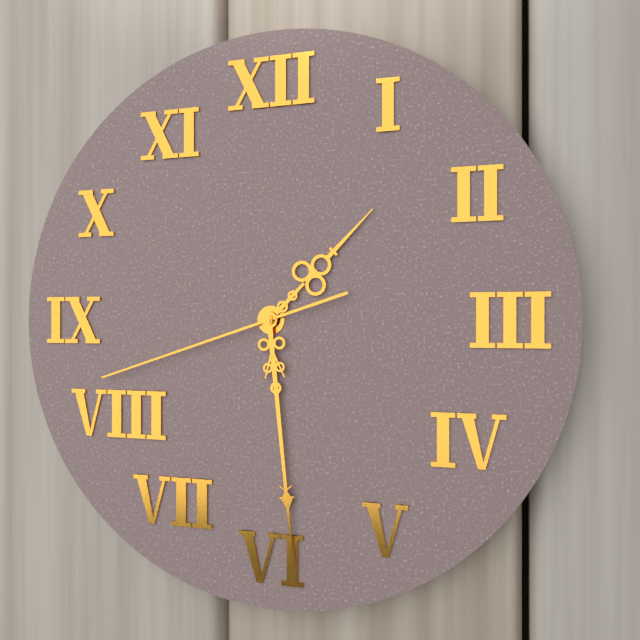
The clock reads {"hour": 1, "minute": 29, "second": 42}
